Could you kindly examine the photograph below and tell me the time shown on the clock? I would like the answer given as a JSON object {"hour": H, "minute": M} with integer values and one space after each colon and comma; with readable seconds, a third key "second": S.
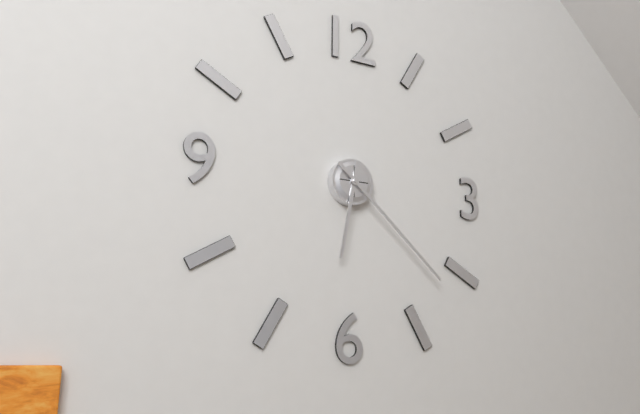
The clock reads {"hour": 6, "minute": 22}
